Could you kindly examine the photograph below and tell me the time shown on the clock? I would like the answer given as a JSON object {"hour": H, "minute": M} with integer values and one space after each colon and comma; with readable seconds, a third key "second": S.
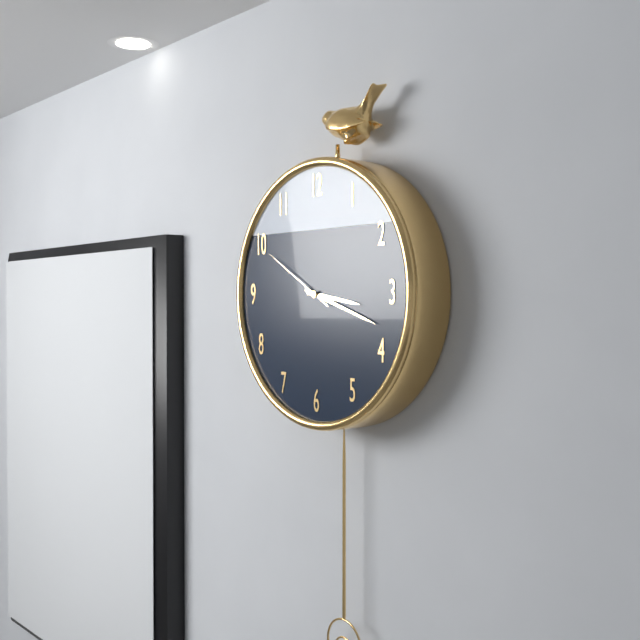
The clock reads {"hour": 3, "minute": 18, "second": 50}
